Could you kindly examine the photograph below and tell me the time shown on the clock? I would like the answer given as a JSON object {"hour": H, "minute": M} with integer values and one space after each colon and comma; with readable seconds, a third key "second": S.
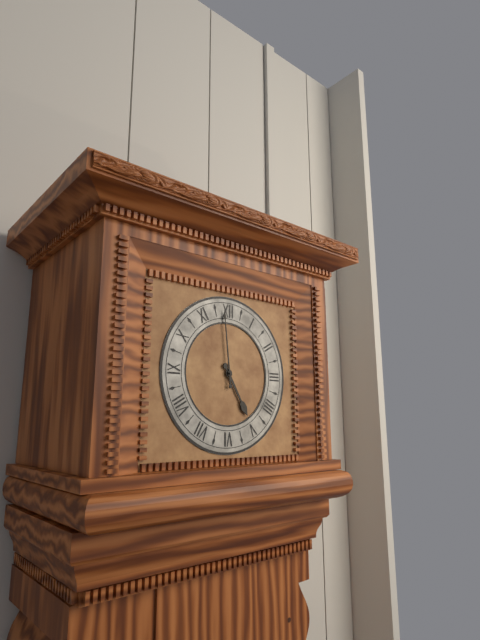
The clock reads {"hour": 4, "minute": 59}
